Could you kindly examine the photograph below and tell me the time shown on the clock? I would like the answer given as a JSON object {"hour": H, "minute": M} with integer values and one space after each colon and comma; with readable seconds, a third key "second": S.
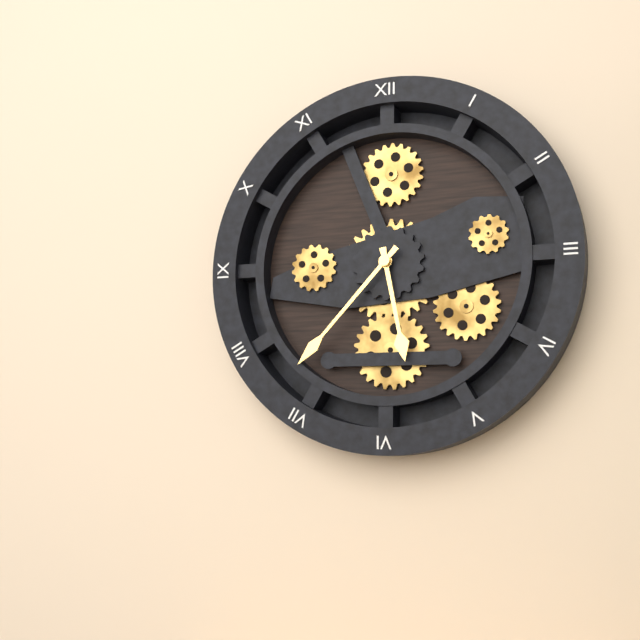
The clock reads {"hour": 5, "minute": 37}
